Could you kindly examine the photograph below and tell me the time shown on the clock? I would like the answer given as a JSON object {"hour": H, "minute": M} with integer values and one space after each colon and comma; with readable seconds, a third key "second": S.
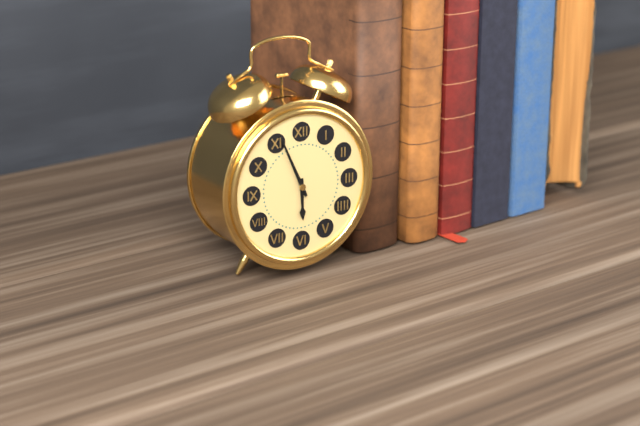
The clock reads {"hour": 5, "minute": 56}
